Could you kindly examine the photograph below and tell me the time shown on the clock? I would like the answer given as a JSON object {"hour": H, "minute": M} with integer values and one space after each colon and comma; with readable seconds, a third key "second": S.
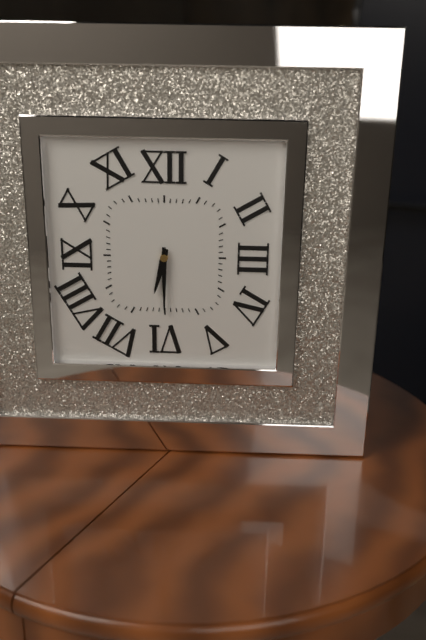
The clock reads {"hour": 6, "minute": 30}
